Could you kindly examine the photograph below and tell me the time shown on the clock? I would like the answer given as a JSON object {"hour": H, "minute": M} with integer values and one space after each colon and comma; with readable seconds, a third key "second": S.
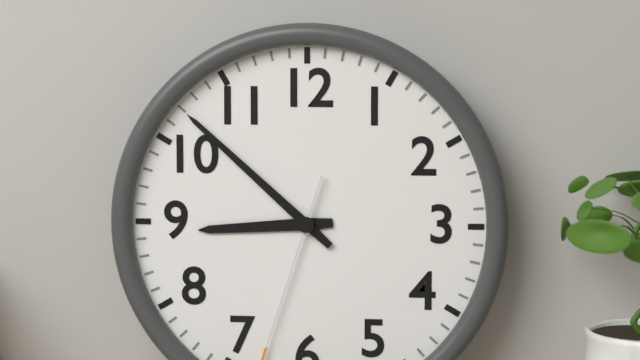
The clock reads {"hour": 8, "minute": 52}
